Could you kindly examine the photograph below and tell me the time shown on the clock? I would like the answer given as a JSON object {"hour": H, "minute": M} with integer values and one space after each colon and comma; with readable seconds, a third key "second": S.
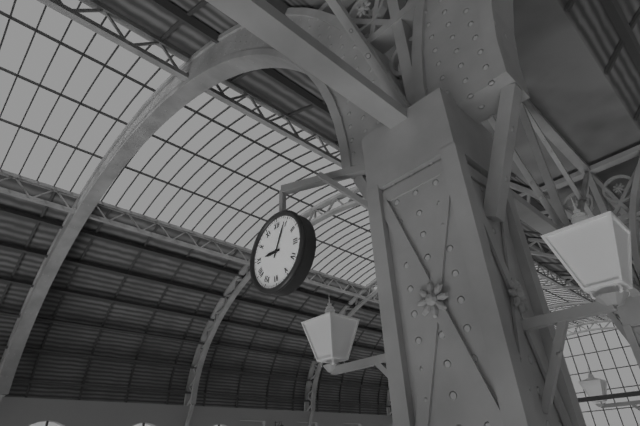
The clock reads {"hour": 9, "minute": 4}
